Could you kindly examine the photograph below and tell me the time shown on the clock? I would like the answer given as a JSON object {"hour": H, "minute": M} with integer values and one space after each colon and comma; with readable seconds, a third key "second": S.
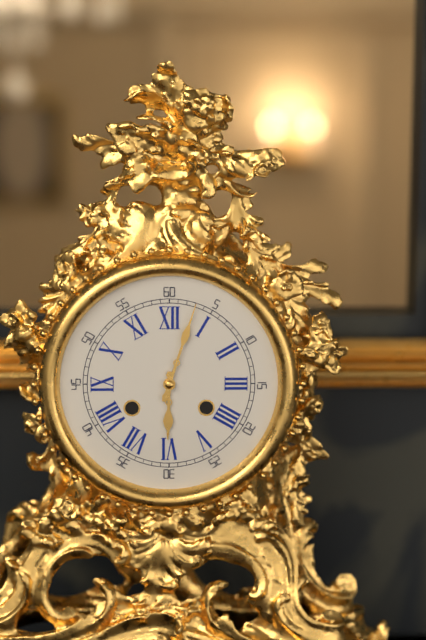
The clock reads {"hour": 6, "minute": 3}
